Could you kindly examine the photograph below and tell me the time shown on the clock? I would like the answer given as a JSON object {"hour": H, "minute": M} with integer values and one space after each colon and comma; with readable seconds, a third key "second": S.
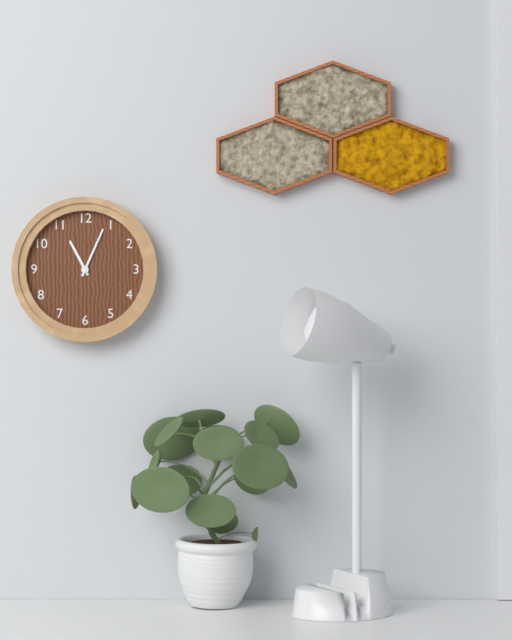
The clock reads {"hour": 11, "minute": 4}
